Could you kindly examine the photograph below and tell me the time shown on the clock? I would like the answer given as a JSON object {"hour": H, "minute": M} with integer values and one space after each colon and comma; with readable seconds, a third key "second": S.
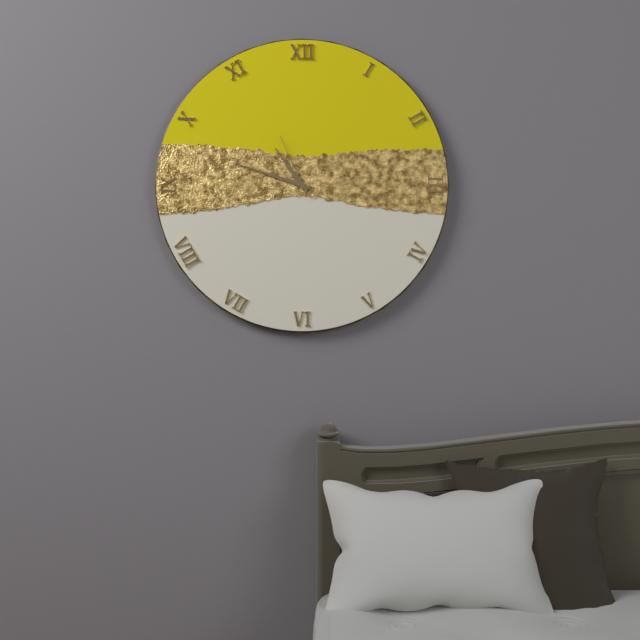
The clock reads {"hour": 10, "minute": 48, "second": 56}
